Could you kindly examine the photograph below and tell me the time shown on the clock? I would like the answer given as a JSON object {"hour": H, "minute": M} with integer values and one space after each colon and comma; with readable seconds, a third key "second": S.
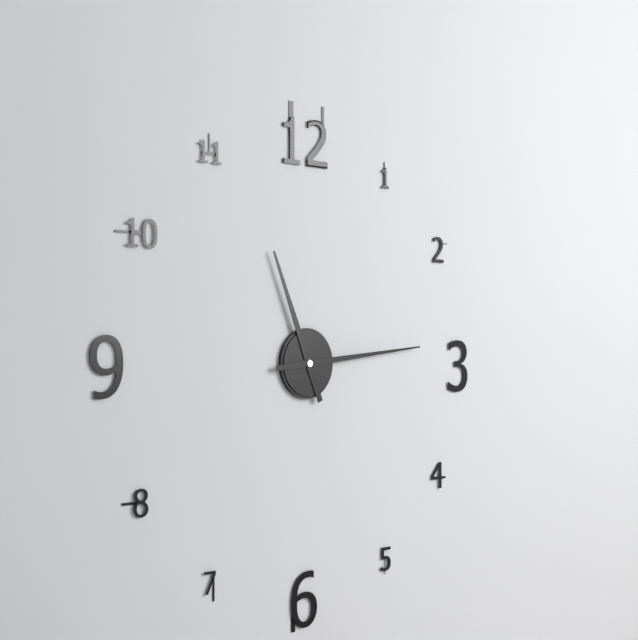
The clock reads {"hour": 11, "minute": 14}
